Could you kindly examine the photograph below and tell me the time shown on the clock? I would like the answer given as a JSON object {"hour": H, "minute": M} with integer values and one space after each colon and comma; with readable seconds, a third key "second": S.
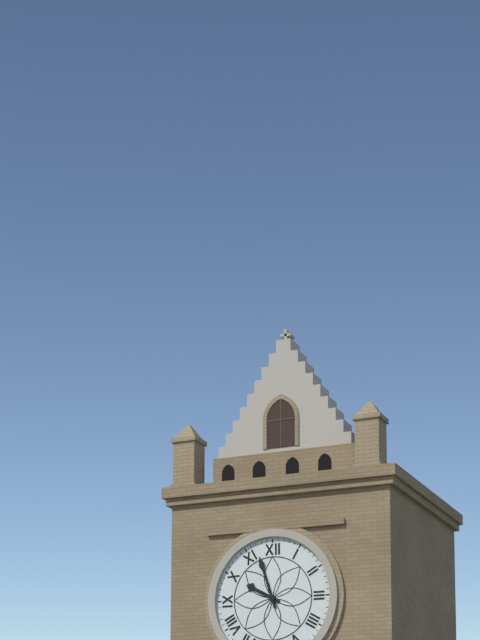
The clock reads {"hour": 9, "minute": 57}
